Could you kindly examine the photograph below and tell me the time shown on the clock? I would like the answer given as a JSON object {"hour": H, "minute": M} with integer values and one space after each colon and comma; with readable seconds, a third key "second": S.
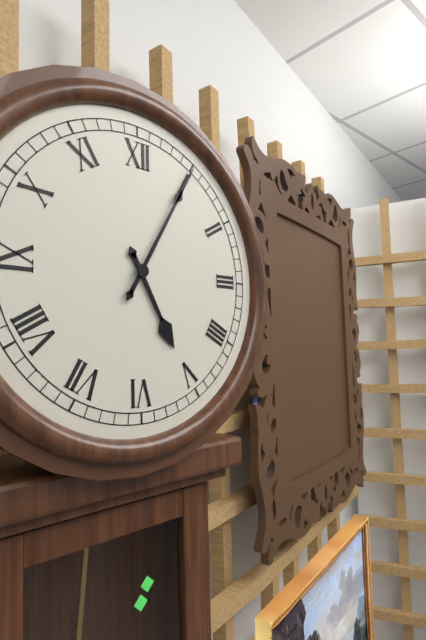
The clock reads {"hour": 5, "minute": 5}
